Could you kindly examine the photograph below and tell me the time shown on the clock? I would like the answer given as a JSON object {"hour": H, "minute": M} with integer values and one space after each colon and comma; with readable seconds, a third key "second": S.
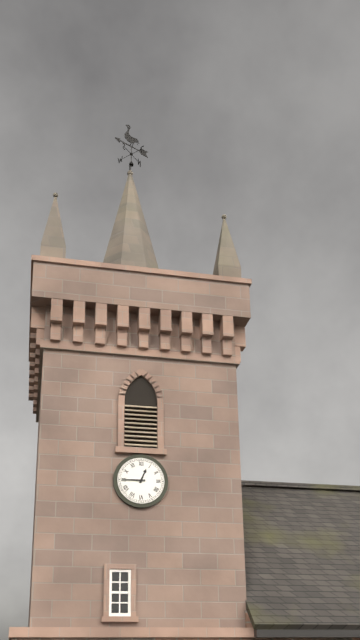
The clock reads {"hour": 12, "minute": 45}
